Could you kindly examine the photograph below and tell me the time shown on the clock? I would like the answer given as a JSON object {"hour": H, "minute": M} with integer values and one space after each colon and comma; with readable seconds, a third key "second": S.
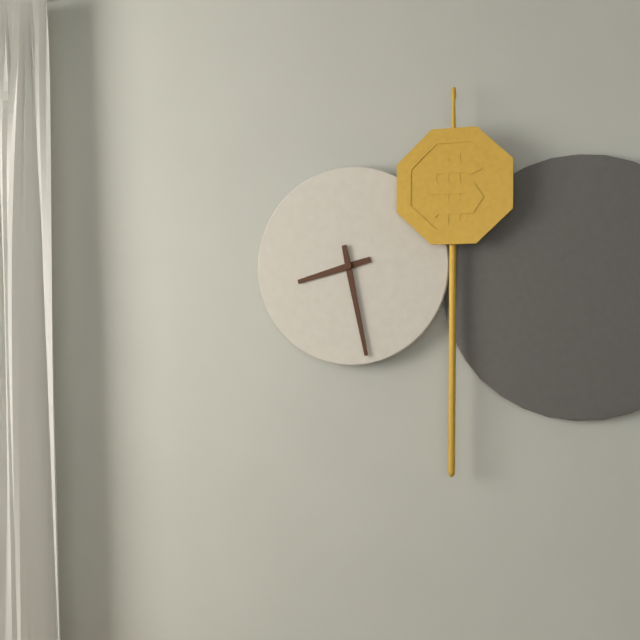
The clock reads {"hour": 8, "minute": 28}
